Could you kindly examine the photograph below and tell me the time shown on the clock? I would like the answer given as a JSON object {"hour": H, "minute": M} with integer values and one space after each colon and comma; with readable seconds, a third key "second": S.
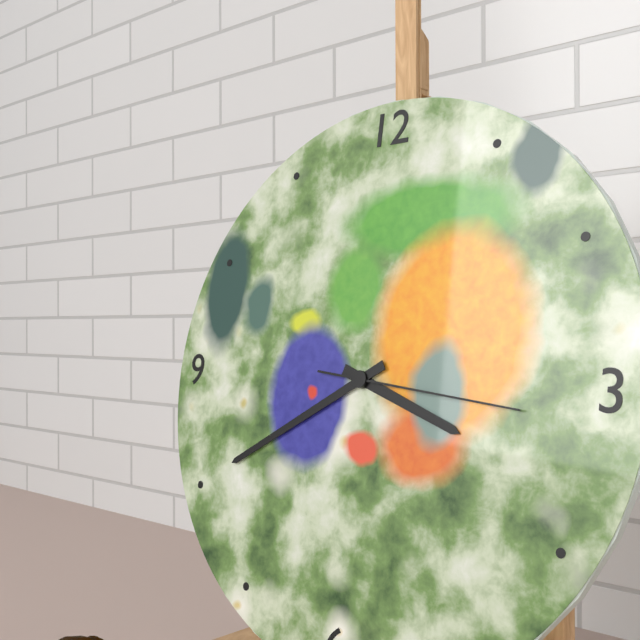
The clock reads {"hour": 3, "minute": 40, "second": 16}
